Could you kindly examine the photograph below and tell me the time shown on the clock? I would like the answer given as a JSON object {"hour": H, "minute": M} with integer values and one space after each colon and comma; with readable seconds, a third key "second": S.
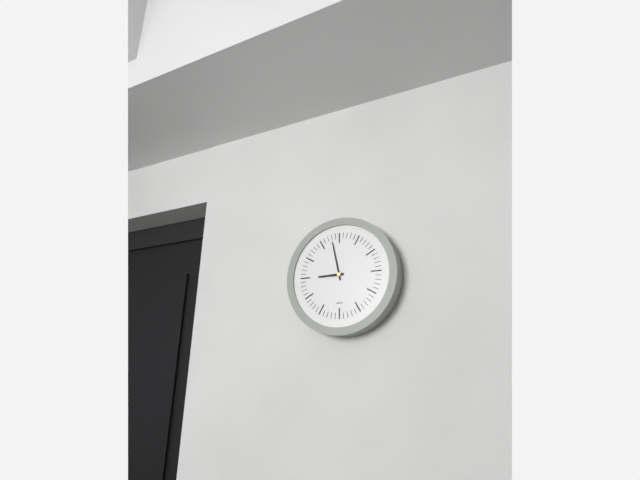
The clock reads {"hour": 8, "minute": 58}
